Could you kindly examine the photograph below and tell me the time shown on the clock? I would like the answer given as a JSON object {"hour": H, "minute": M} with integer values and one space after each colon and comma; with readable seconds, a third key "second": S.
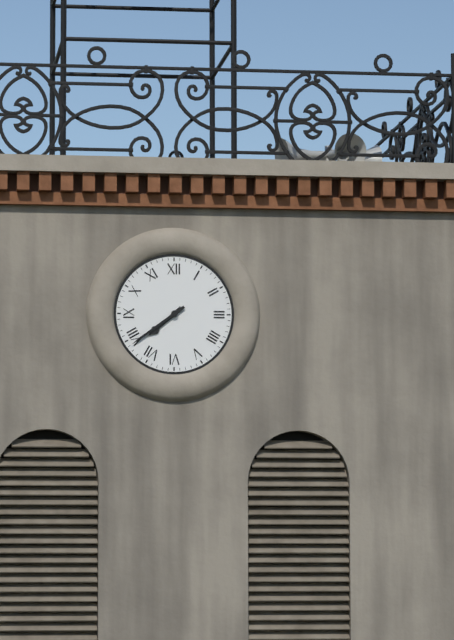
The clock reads {"hour": 7, "minute": 39}
